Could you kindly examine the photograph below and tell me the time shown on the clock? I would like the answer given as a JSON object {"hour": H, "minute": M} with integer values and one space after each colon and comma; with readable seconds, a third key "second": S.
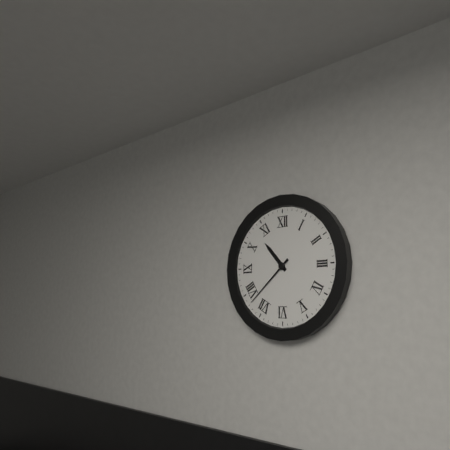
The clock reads {"hour": 10, "minute": 38}
